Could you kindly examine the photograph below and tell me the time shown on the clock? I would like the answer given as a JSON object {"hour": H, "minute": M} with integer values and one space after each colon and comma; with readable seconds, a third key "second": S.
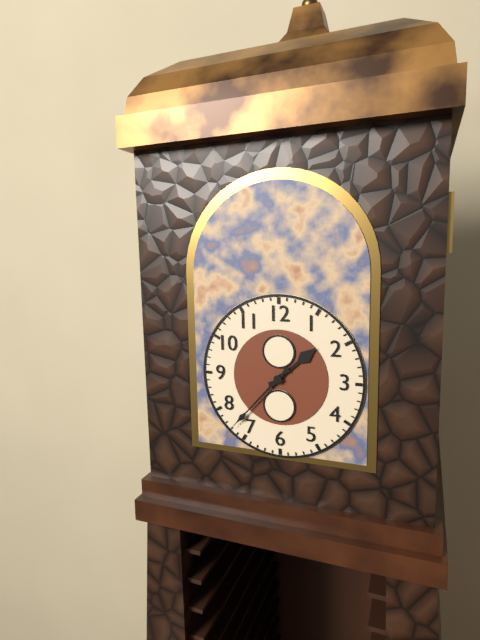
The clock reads {"hour": 1, "minute": 37}
